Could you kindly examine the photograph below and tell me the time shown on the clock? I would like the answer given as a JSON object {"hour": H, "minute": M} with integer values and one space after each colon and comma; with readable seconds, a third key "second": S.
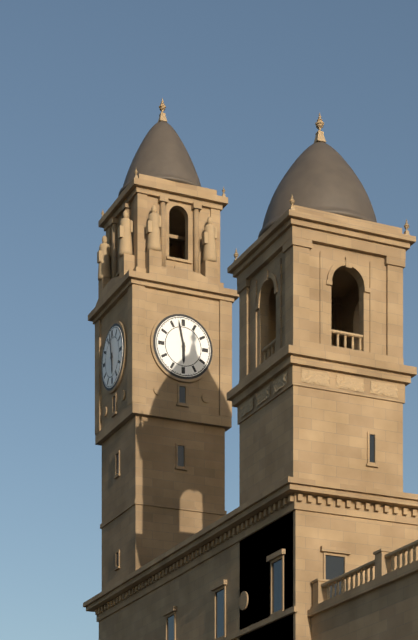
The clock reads {"hour": 5, "minute": 58}
